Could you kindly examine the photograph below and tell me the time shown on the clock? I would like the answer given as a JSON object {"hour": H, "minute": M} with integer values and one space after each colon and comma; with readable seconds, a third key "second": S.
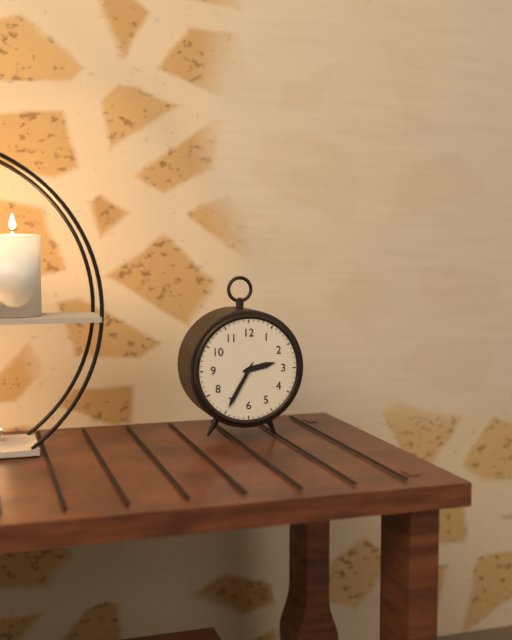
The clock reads {"hour": 2, "minute": 35}
